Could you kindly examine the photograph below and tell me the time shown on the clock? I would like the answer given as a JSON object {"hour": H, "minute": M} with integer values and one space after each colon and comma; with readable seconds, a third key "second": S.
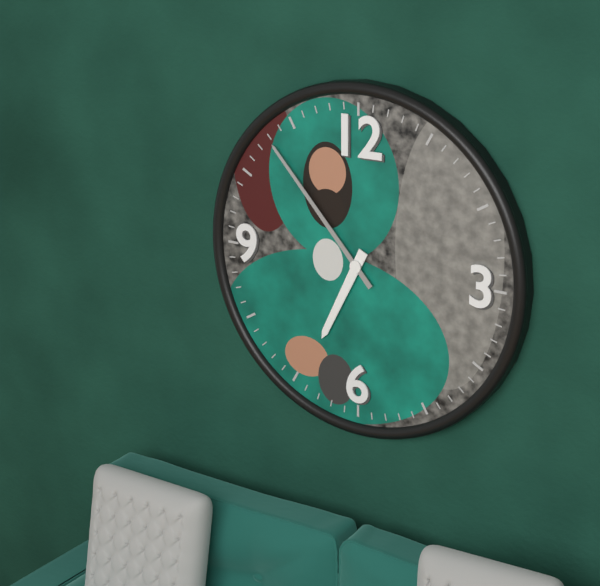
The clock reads {"hour": 6, "minute": 53}
